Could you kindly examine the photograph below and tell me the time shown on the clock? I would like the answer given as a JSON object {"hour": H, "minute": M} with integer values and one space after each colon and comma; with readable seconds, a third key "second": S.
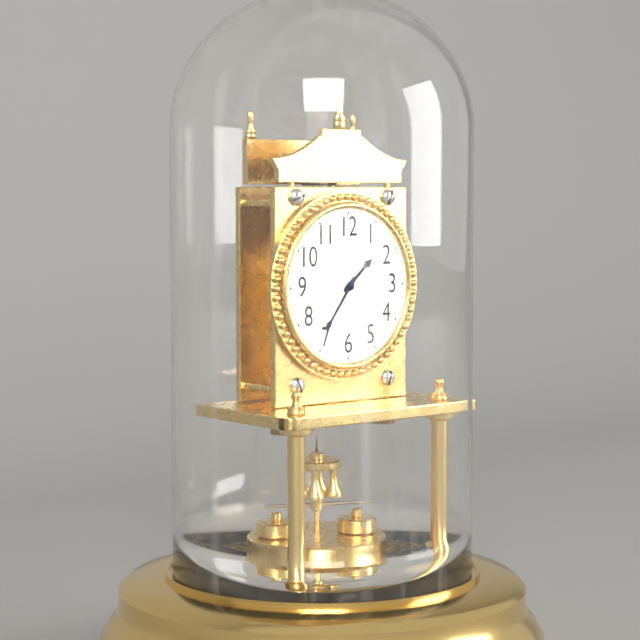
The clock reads {"hour": 1, "minute": 36}
